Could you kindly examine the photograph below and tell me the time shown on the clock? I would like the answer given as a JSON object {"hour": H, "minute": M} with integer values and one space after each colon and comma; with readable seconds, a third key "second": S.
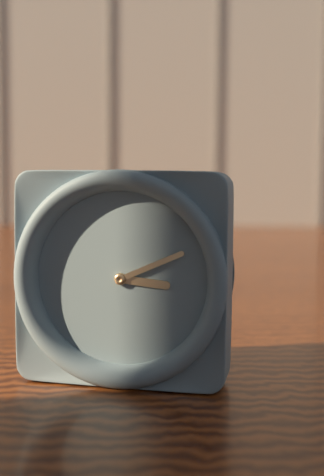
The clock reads {"hour": 3, "minute": 11}
